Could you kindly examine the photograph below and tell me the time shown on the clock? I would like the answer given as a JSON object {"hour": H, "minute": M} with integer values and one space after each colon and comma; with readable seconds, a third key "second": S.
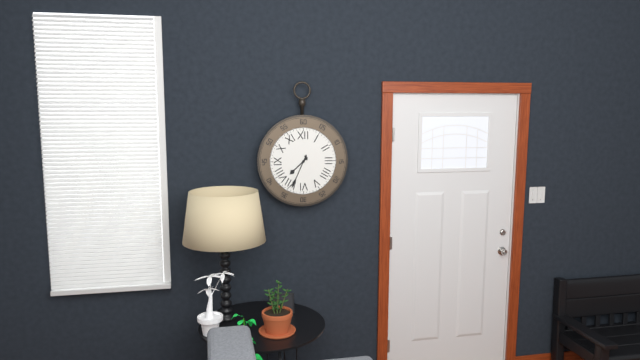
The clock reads {"hour": 7, "minute": 34}
